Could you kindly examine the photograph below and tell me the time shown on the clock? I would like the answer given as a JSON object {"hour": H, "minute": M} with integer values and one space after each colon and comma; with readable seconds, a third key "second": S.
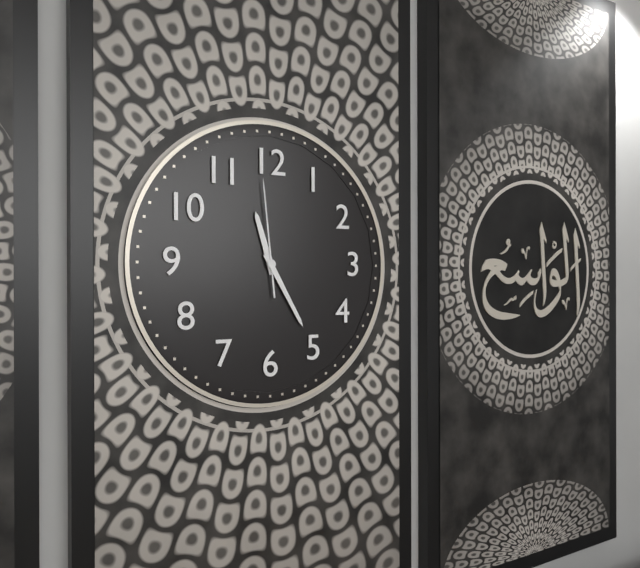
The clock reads {"hour": 11, "minute": 25, "second": 59}
